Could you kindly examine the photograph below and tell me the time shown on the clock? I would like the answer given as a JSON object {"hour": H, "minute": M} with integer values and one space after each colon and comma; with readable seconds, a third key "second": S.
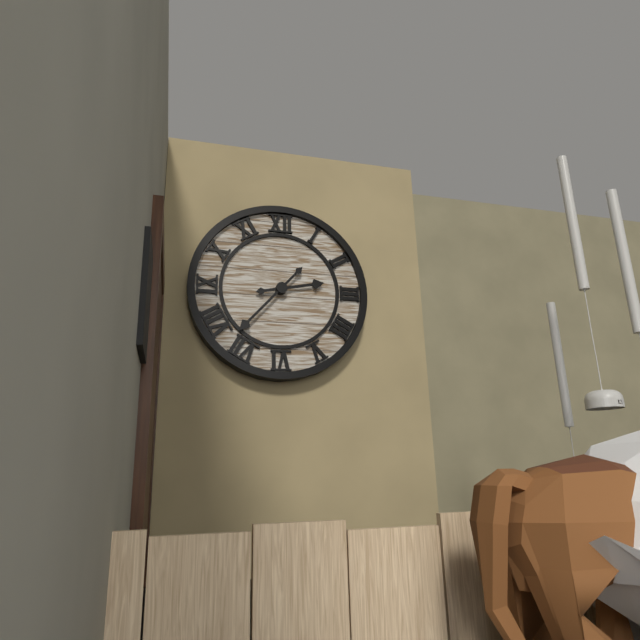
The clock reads {"hour": 2, "minute": 37}
